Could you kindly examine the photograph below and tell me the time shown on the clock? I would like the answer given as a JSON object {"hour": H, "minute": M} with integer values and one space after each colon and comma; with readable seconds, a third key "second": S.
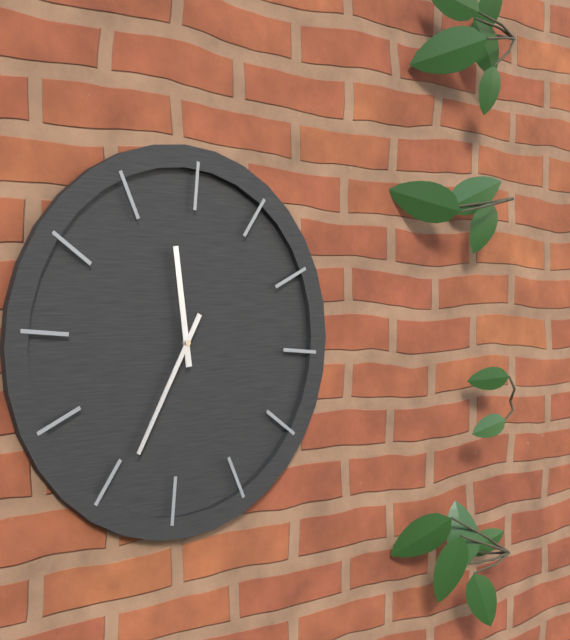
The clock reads {"hour": 11, "minute": 34}
